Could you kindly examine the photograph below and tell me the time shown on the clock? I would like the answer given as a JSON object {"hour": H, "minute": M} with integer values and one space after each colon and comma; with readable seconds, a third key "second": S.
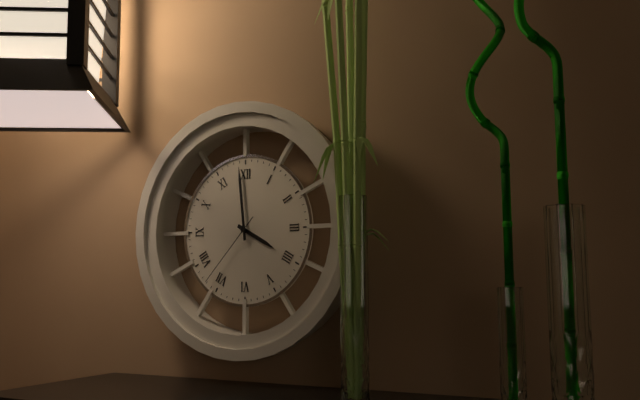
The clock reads {"hour": 3, "minute": 59, "second": 37}
